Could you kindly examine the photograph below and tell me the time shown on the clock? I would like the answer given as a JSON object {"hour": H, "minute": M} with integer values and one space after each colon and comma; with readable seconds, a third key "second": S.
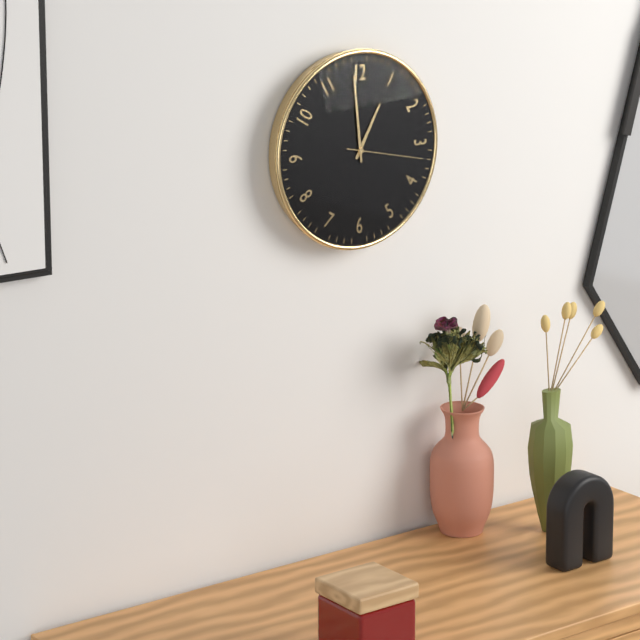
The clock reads {"hour": 12, "minute": 59, "second": 17}
